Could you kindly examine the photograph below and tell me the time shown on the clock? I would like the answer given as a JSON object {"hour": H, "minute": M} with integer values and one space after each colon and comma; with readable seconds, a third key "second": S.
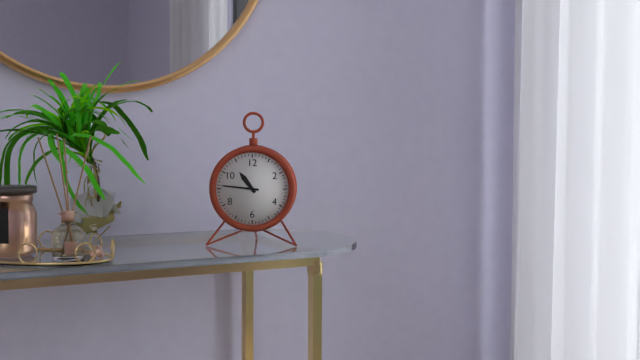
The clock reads {"hour": 10, "minute": 46}
